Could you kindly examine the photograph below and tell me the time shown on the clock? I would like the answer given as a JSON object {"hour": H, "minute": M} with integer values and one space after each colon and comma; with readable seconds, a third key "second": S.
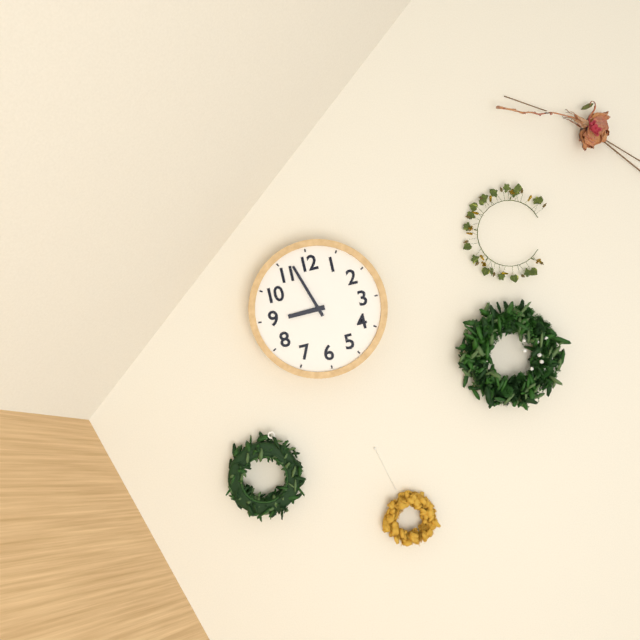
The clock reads {"hour": 8, "minute": 57}
